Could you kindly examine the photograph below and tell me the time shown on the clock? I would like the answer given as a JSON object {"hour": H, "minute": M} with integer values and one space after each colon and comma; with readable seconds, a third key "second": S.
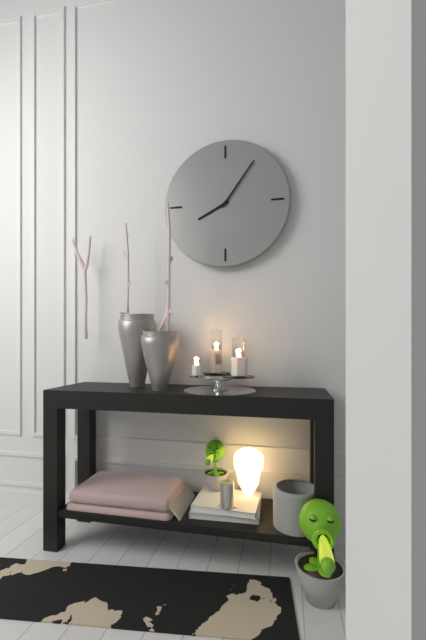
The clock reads {"hour": 8, "minute": 6}
